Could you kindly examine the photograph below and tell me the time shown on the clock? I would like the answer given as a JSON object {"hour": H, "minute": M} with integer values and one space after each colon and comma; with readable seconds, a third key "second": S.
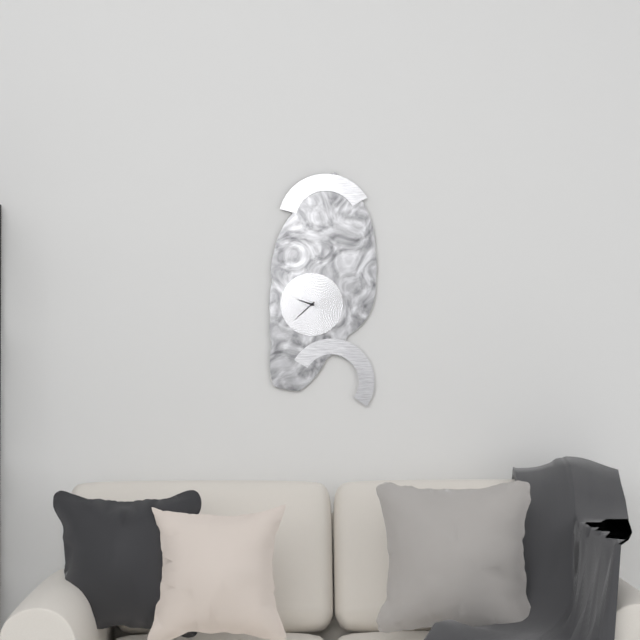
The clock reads {"hour": 9, "minute": 38}
